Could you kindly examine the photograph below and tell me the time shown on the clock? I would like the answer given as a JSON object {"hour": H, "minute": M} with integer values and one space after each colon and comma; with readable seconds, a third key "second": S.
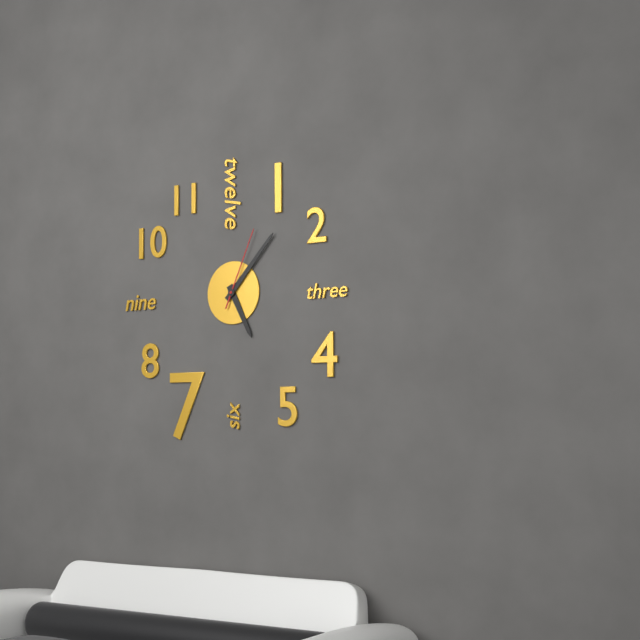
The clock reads {"hour": 5, "minute": 7, "second": 4}
